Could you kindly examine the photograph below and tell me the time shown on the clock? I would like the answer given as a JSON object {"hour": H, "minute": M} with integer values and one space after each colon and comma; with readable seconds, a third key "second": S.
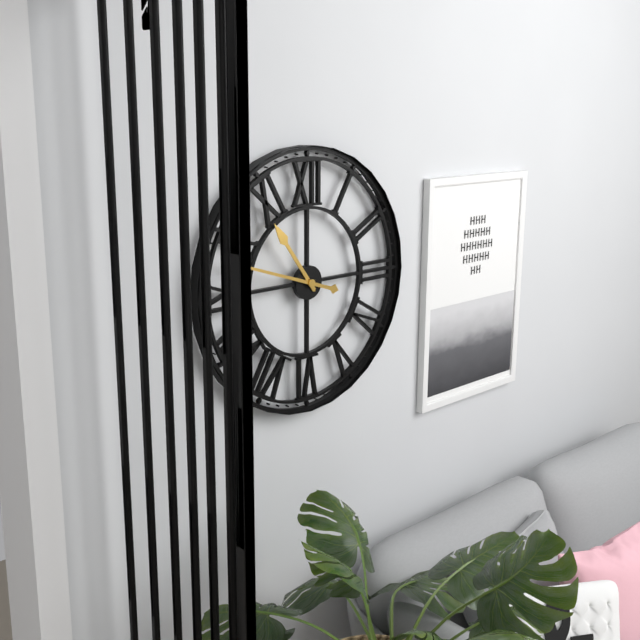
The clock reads {"hour": 10, "minute": 48}
